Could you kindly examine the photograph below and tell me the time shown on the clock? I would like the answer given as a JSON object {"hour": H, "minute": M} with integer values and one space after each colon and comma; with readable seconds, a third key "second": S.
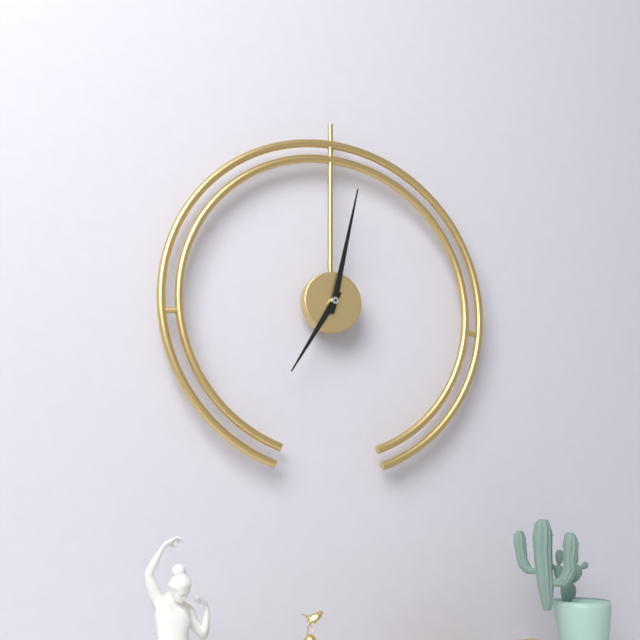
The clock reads {"hour": 7, "minute": 2}
